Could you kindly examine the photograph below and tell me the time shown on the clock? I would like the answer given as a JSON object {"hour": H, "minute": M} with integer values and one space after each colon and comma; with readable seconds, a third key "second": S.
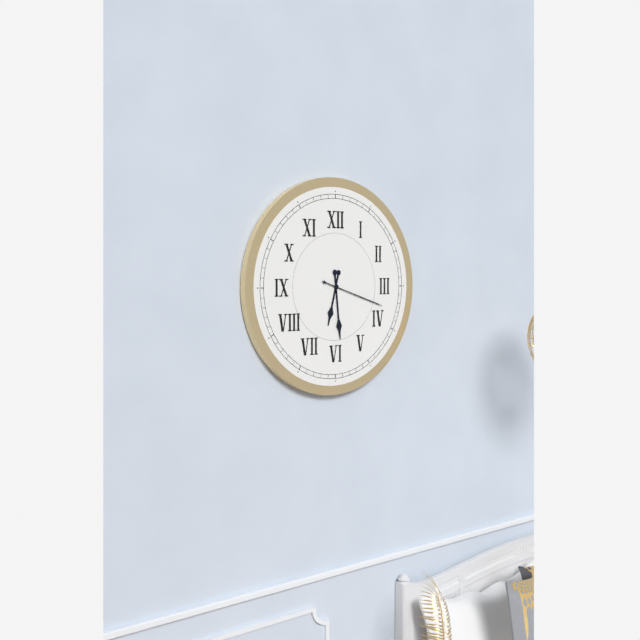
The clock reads {"hour": 6, "minute": 29, "second": 18}
